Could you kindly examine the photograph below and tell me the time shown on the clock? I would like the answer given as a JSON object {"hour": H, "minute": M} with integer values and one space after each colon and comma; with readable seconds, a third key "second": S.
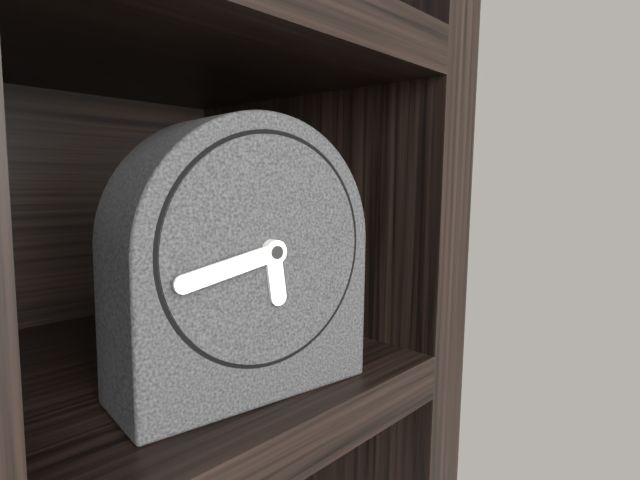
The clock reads {"hour": 5, "minute": 43}
